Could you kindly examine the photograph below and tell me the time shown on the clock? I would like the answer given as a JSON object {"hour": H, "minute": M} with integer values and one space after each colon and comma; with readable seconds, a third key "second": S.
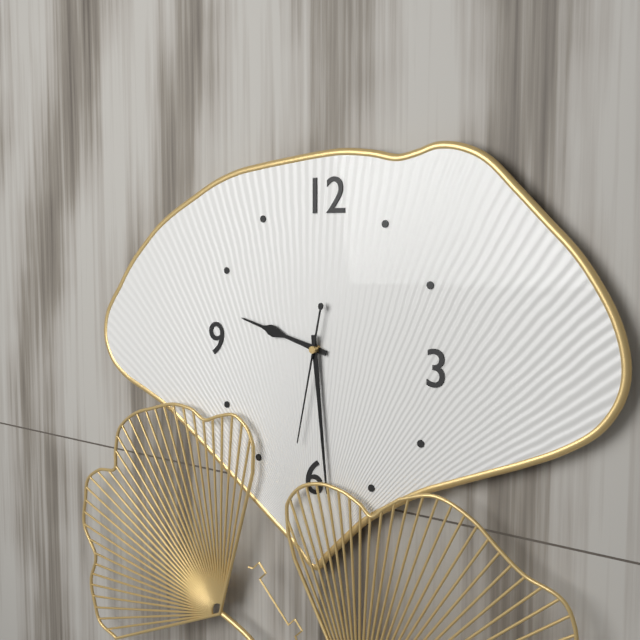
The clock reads {"hour": 9, "minute": 29, "second": 32}
